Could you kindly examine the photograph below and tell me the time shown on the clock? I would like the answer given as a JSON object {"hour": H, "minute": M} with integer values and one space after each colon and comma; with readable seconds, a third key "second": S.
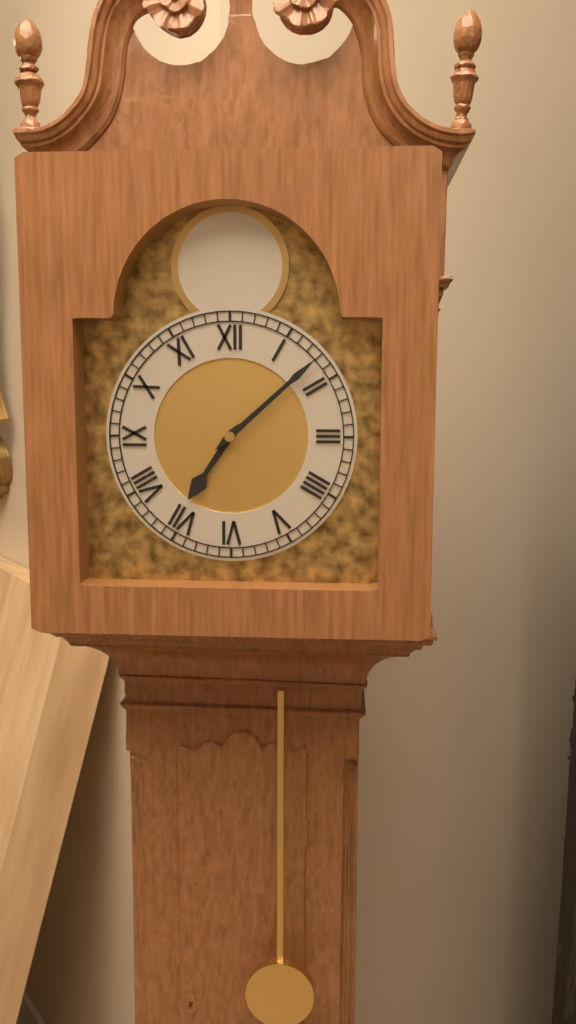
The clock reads {"hour": 7, "minute": 8}
